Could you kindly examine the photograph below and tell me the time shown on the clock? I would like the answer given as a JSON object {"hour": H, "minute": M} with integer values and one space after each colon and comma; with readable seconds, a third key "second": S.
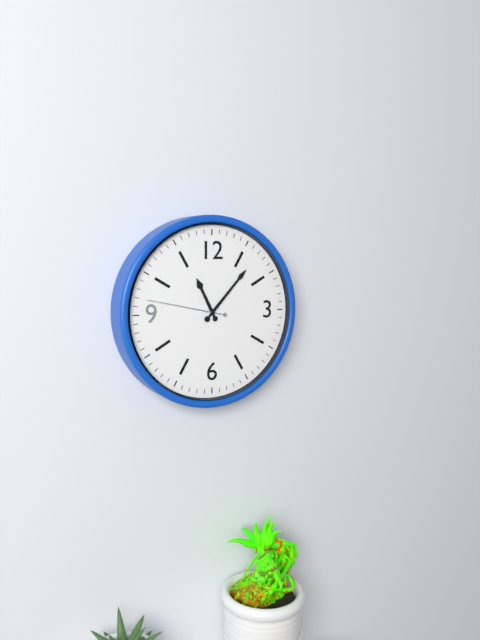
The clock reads {"hour": 11, "minute": 7, "second": 47}
